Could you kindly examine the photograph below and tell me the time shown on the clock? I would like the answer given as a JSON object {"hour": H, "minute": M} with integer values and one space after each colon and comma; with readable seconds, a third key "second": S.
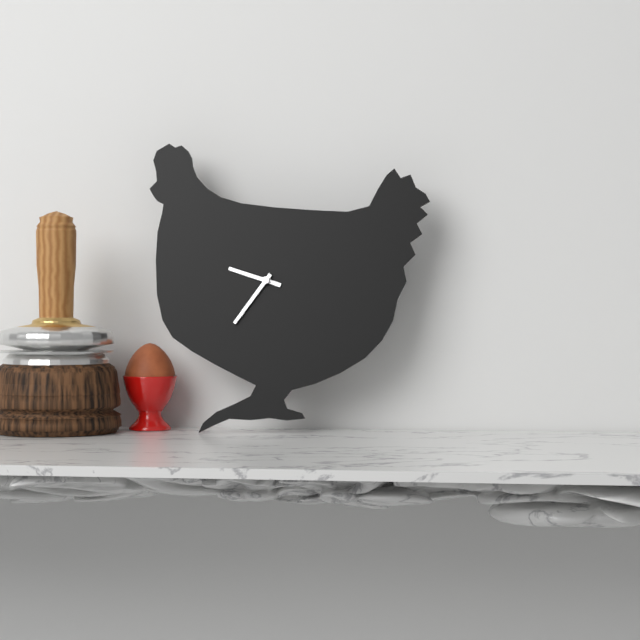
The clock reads {"hour": 9, "minute": 36}
